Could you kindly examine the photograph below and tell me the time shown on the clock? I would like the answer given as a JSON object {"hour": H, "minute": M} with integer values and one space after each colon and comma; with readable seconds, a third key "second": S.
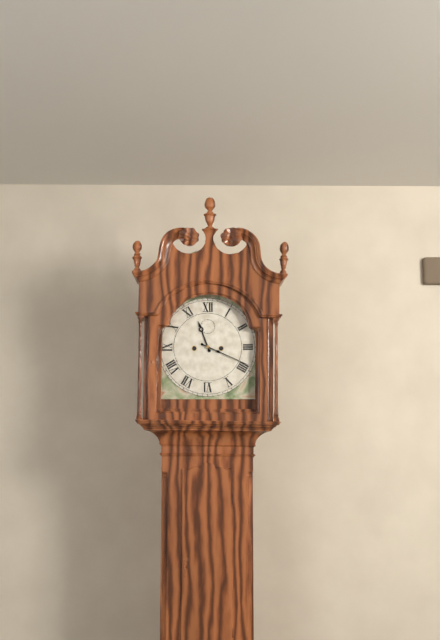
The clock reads {"hour": 11, "minute": 19}
